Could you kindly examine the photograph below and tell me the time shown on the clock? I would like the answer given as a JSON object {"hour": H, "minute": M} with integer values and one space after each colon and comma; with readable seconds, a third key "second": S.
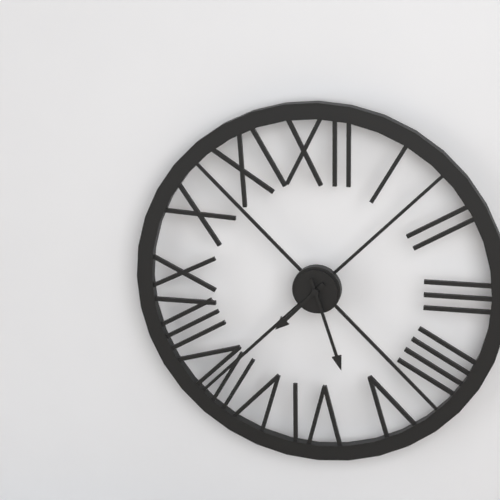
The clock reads {"hour": 7, "minute": 27}
